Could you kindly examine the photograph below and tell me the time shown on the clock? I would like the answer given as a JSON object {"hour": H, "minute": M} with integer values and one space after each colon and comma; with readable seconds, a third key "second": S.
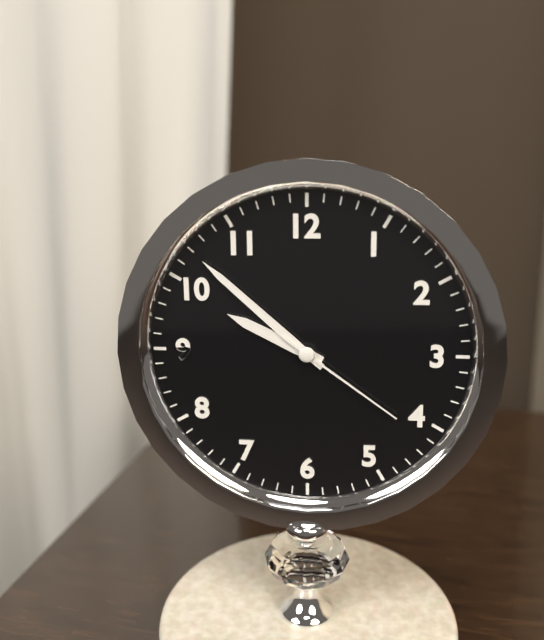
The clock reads {"hour": 9, "minute": 52, "second": 21}
